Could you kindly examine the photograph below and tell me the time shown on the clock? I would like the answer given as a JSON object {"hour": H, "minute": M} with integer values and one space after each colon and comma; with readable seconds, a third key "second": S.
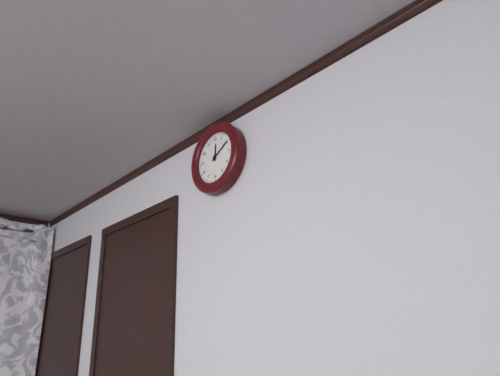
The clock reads {"hour": 12, "minute": 10}
